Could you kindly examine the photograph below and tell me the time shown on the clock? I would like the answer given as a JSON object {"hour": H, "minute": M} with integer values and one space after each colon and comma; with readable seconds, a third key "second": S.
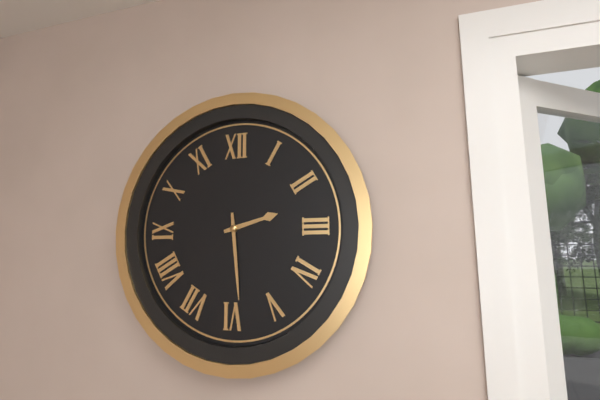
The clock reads {"hour": 2, "minute": 29}
